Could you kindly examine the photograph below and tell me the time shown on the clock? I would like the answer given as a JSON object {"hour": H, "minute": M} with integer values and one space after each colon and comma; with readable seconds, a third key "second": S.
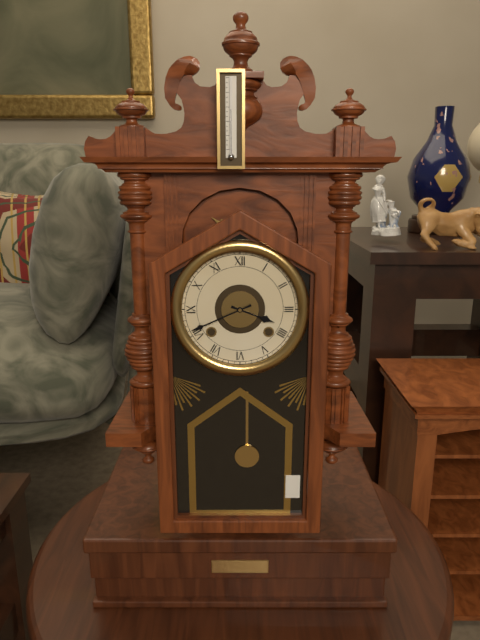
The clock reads {"hour": 3, "minute": 41}
